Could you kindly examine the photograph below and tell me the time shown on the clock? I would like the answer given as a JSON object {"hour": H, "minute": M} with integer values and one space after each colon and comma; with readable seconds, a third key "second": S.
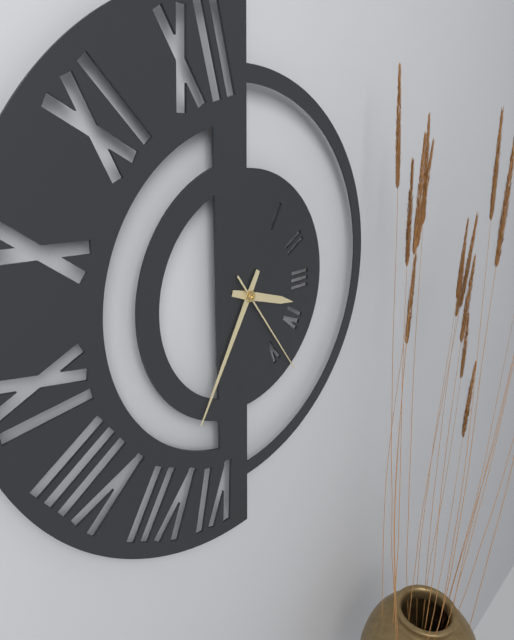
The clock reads {"hour": 3, "minute": 35, "second": 24}
